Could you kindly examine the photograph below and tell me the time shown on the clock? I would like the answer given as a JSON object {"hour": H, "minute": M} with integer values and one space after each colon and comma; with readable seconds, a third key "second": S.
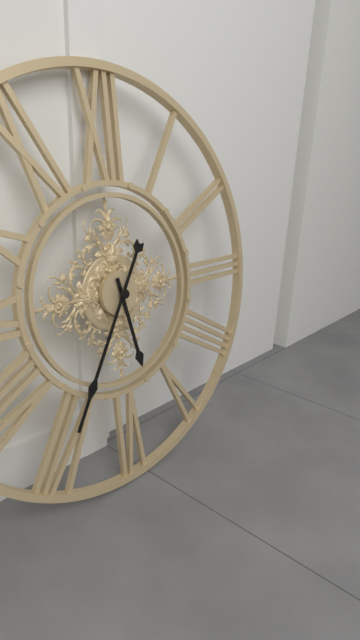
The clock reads {"hour": 5, "minute": 35}
